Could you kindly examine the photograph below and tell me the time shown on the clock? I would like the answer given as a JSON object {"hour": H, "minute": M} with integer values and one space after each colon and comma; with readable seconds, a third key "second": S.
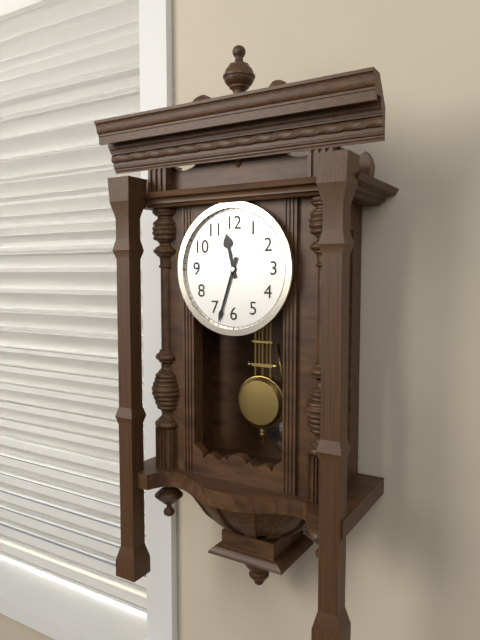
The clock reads {"hour": 11, "minute": 33}
